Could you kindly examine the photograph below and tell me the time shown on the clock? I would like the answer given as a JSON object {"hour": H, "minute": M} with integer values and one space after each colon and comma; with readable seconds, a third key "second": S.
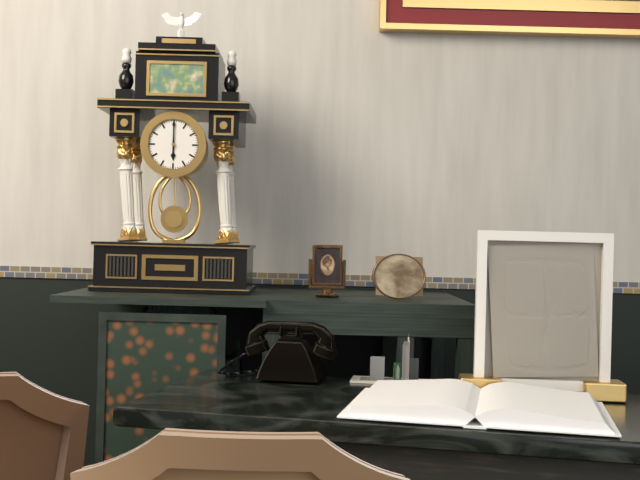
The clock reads {"hour": 6, "minute": 0}
